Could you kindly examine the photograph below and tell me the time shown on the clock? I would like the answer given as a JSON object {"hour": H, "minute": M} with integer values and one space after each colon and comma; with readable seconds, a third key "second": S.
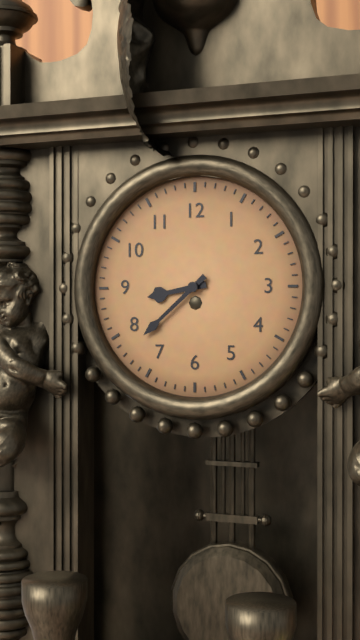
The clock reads {"hour": 8, "minute": 38}
